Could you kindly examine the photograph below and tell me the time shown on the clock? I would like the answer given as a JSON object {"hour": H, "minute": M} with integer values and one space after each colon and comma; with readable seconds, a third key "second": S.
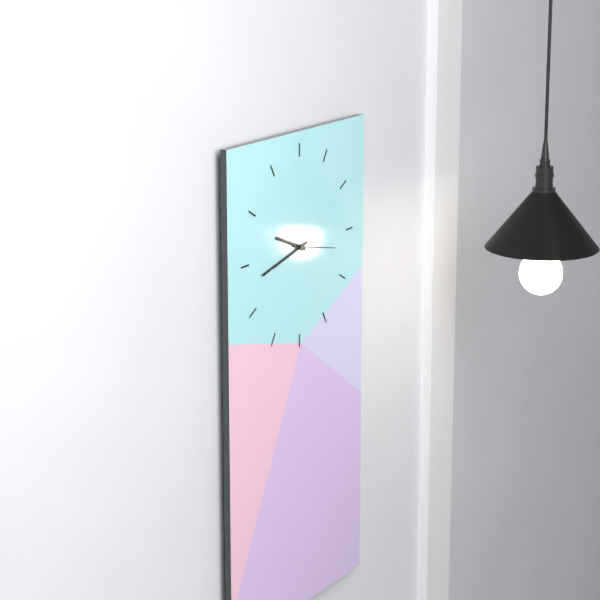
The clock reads {"hour": 9, "minute": 43}
